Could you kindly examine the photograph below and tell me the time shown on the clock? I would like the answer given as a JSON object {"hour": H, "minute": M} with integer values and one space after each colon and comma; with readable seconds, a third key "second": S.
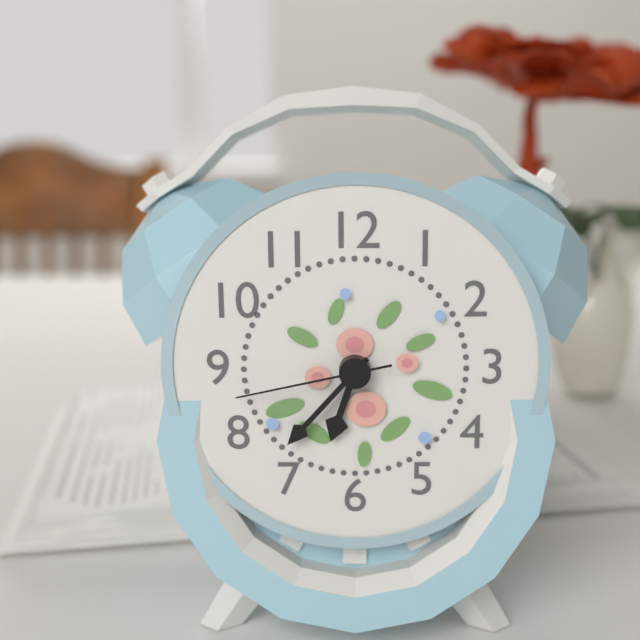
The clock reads {"hour": 6, "minute": 37, "second": 43}
